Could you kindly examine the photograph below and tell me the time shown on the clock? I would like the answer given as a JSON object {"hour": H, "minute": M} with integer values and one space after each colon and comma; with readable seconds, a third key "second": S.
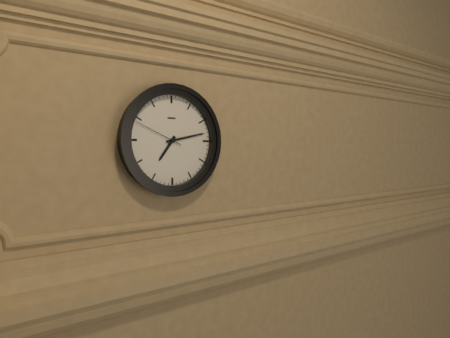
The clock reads {"hour": 7, "minute": 13, "second": 49}
